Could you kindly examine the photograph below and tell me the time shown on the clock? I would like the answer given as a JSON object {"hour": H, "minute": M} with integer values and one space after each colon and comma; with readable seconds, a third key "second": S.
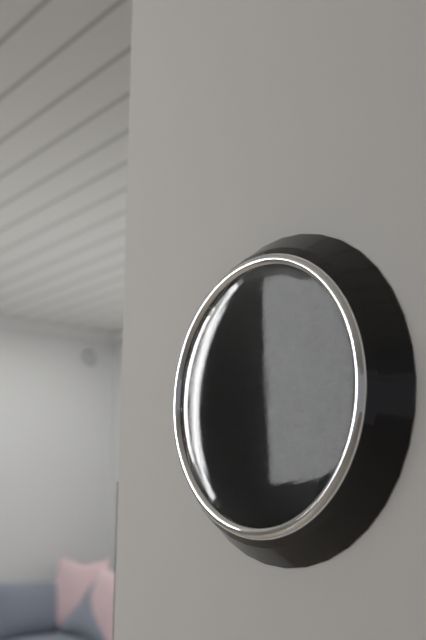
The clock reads {"hour": 8, "minute": 37}
